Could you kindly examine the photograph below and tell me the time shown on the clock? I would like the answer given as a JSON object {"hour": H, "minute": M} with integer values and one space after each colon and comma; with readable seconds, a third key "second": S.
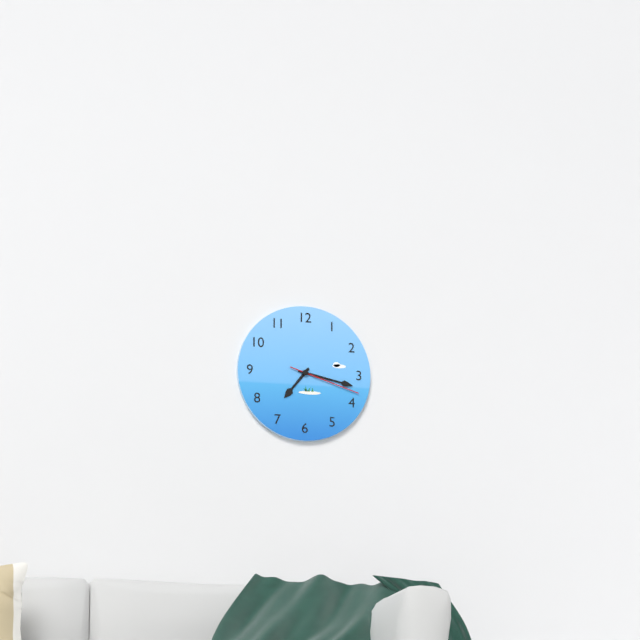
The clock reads {"hour": 7, "minute": 17, "second": 18}
